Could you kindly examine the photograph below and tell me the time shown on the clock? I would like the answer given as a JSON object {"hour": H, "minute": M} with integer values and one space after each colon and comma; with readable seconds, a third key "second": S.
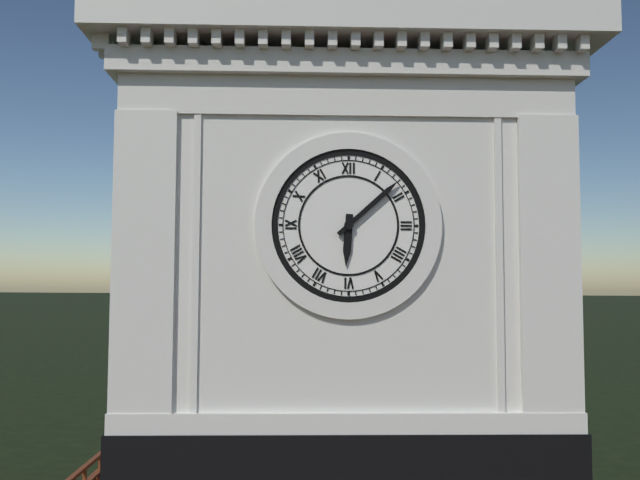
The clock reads {"hour": 6, "minute": 8}
